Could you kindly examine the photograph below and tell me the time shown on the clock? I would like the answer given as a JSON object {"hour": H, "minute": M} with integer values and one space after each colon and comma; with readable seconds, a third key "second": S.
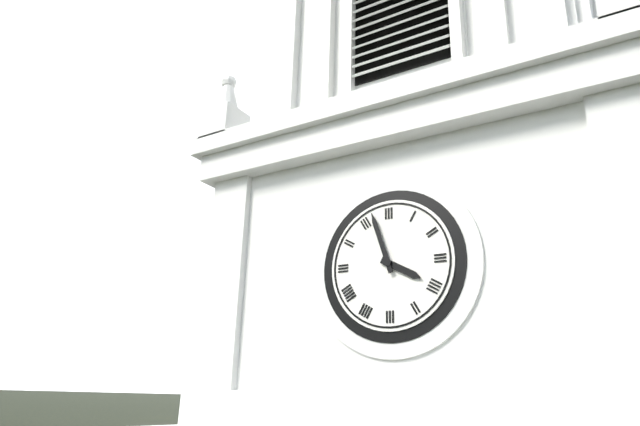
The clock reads {"hour": 3, "minute": 57}
